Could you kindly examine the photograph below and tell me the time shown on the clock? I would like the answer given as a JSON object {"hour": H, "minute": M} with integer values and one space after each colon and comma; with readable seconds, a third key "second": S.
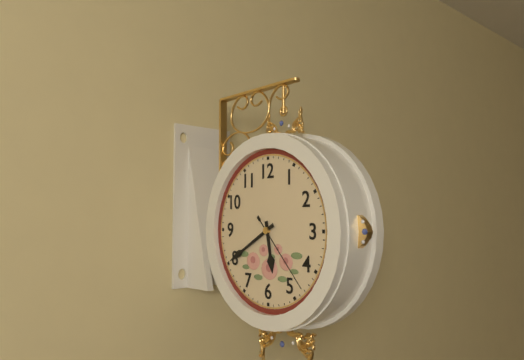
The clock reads {"hour": 5, "minute": 40, "second": 23}
